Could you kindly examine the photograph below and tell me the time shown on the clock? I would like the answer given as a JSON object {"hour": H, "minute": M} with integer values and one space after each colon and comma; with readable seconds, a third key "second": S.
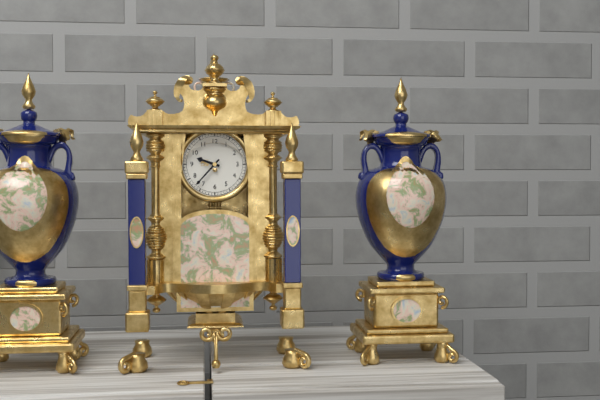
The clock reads {"hour": 9, "minute": 37}
